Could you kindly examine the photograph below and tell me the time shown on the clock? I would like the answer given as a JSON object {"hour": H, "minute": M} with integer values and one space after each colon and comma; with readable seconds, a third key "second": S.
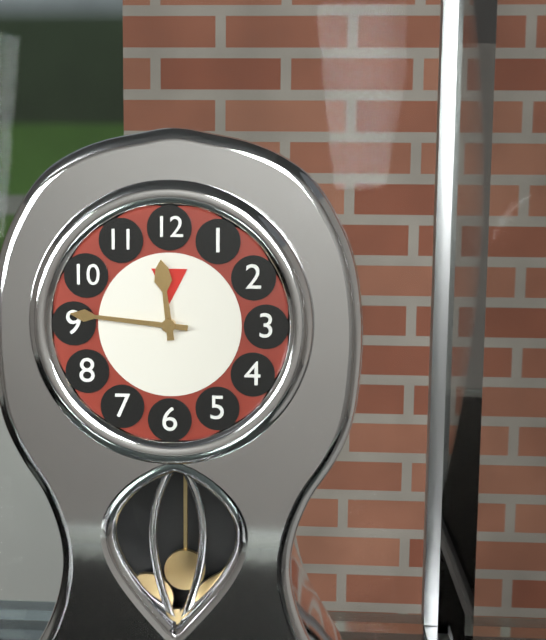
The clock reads {"hour": 11, "minute": 46}
